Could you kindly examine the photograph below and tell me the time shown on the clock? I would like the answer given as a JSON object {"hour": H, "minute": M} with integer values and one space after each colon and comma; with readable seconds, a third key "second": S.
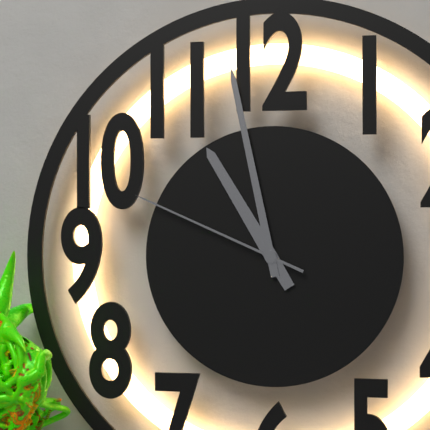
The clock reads {"hour": 10, "minute": 58, "second": 49}
